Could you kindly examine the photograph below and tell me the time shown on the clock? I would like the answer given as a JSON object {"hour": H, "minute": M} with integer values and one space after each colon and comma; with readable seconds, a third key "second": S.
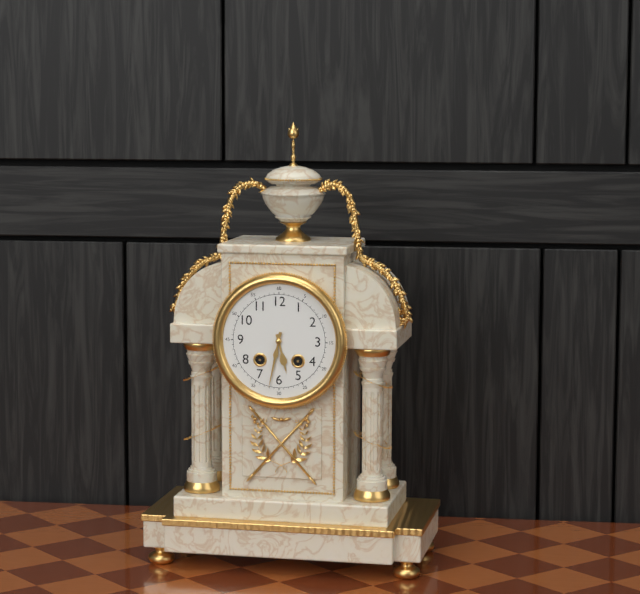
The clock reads {"hour": 5, "minute": 32}
